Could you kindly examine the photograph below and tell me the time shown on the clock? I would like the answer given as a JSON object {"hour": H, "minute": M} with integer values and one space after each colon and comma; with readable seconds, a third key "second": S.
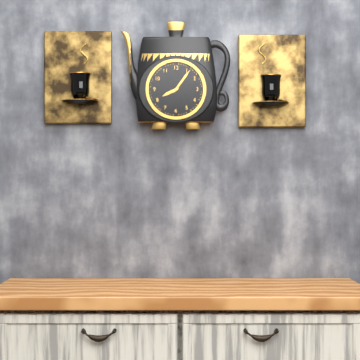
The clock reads {"hour": 8, "minute": 6}
